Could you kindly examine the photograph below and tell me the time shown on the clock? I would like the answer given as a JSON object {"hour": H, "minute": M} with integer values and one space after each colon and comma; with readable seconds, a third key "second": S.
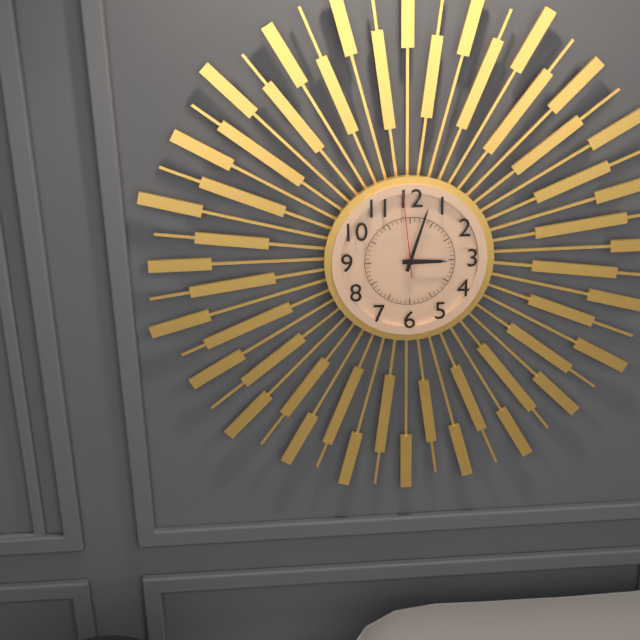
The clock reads {"hour": 3, "minute": 3, "second": 59}
